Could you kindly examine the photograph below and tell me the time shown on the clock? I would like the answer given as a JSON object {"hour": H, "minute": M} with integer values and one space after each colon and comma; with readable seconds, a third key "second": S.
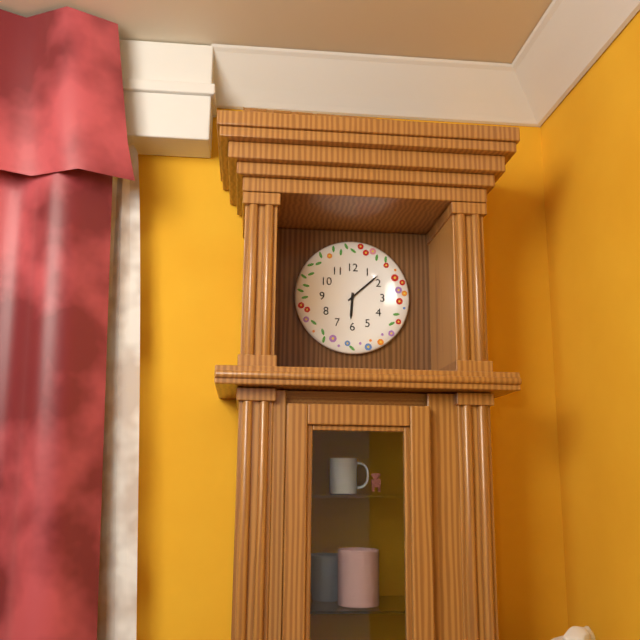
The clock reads {"hour": 6, "minute": 8}
